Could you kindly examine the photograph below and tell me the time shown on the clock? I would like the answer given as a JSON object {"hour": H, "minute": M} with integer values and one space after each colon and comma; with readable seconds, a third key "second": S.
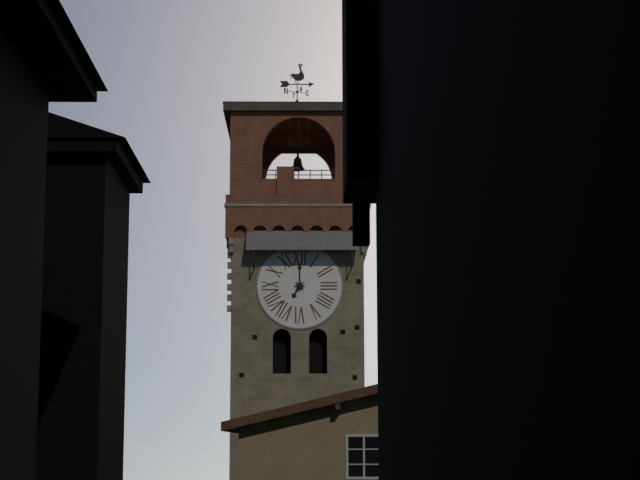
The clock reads {"hour": 7, "minute": 0}
